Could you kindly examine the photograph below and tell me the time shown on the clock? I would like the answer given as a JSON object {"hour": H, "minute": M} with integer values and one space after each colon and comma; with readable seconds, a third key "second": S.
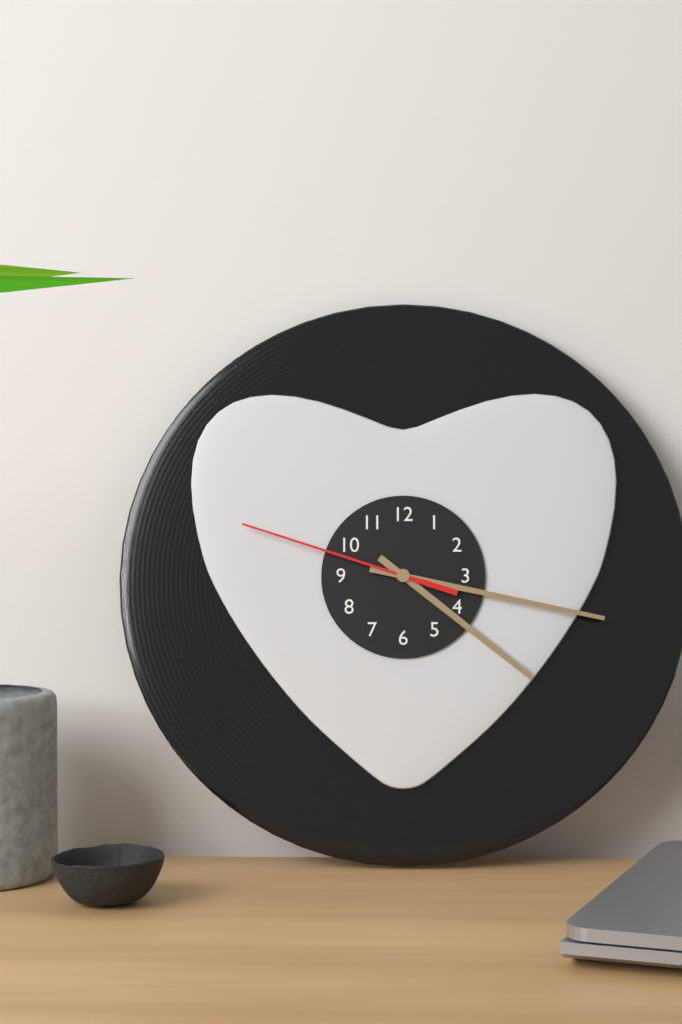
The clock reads {"hour": 4, "minute": 17, "second": 48}
